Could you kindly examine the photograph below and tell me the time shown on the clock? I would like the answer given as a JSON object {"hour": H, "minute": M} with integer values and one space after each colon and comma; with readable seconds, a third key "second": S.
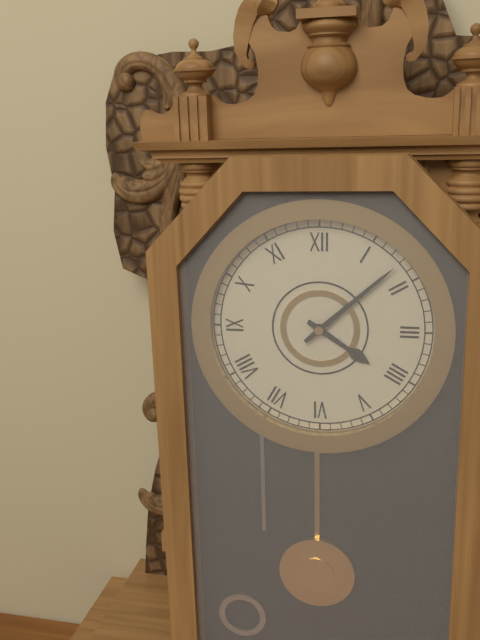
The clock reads {"hour": 4, "minute": 8}
